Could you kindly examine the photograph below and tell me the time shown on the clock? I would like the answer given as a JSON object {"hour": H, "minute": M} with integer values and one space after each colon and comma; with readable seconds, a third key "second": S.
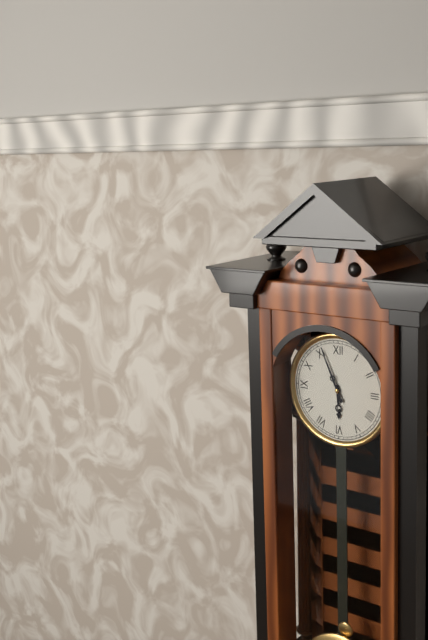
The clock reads {"hour": 5, "minute": 56}
